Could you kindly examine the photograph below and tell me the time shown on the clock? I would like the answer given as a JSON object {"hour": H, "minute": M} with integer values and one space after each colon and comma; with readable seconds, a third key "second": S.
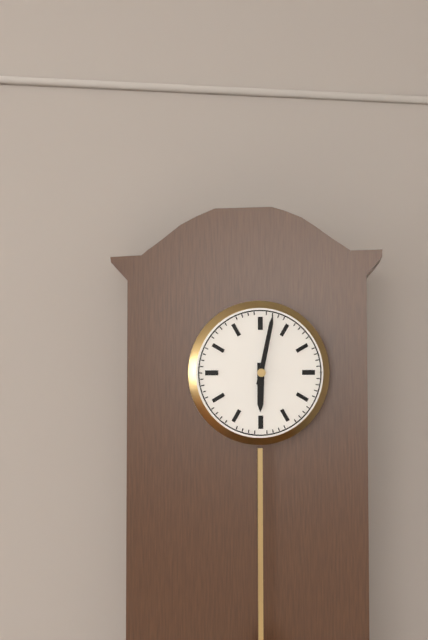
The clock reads {"hour": 6, "minute": 2}
